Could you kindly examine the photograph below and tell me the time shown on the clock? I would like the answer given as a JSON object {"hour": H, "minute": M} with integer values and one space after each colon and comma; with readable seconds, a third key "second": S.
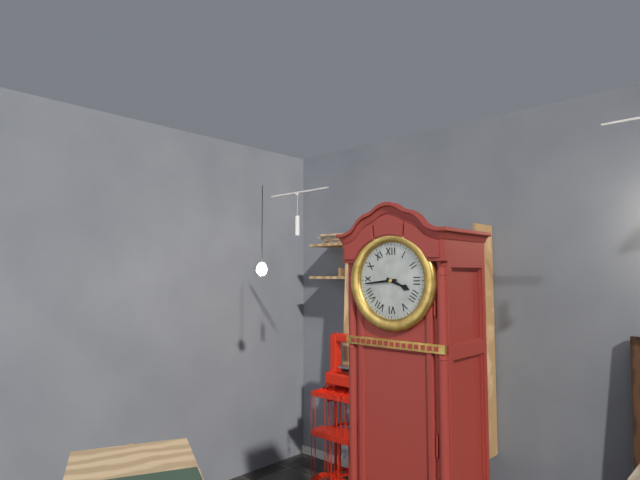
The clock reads {"hour": 3, "minute": 44}
